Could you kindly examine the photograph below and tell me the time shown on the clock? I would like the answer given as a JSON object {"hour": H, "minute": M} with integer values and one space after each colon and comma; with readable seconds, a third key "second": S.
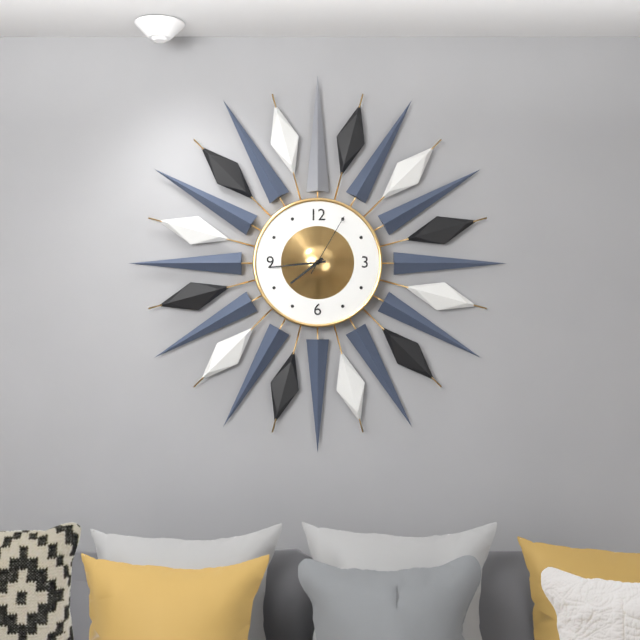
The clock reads {"hour": 7, "minute": 44, "second": 5}
